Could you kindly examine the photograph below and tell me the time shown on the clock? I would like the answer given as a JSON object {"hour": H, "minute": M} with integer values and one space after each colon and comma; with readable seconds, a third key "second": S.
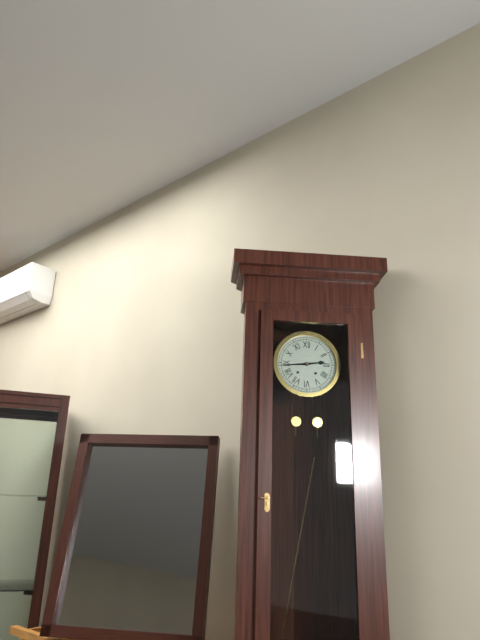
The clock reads {"hour": 2, "minute": 44}
